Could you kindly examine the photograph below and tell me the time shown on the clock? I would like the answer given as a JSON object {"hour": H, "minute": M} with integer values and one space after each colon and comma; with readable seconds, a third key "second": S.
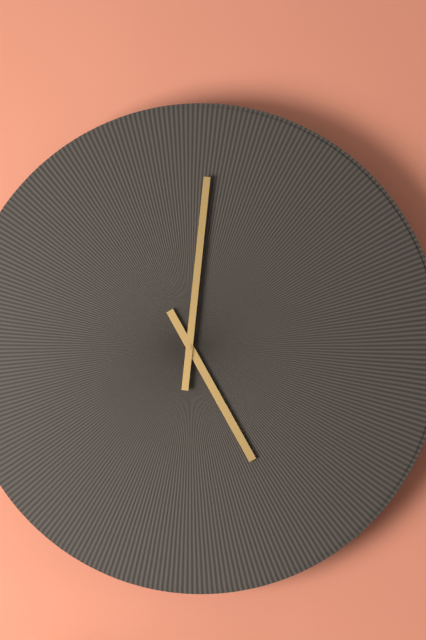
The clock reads {"hour": 5, "minute": 1}
